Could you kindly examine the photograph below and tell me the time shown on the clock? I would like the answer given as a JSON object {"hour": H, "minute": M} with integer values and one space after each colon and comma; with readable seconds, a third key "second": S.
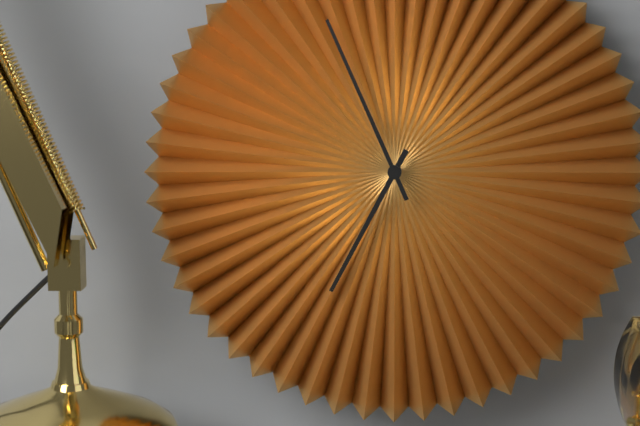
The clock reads {"hour": 6, "minute": 56}
